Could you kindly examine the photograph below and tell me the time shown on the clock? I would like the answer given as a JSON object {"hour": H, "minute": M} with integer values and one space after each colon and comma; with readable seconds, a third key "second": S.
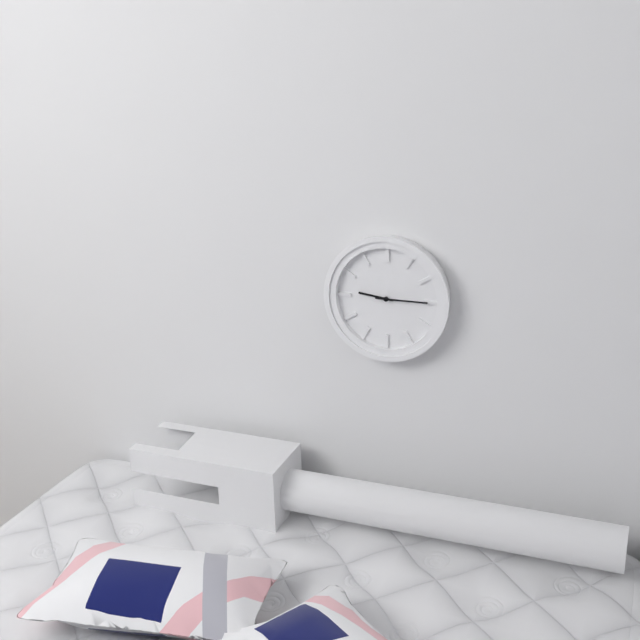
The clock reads {"hour": 9, "minute": 15}
